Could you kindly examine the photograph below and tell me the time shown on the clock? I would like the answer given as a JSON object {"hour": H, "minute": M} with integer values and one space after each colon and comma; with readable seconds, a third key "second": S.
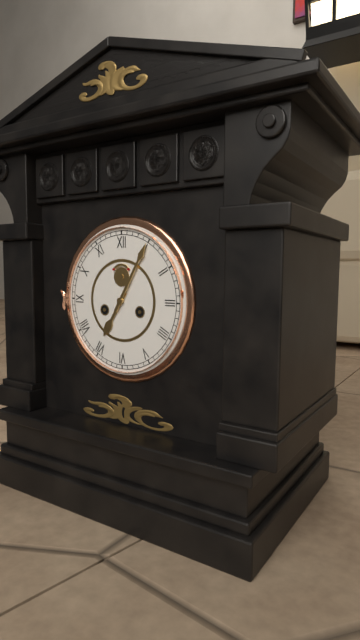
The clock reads {"hour": 7, "minute": 5}
